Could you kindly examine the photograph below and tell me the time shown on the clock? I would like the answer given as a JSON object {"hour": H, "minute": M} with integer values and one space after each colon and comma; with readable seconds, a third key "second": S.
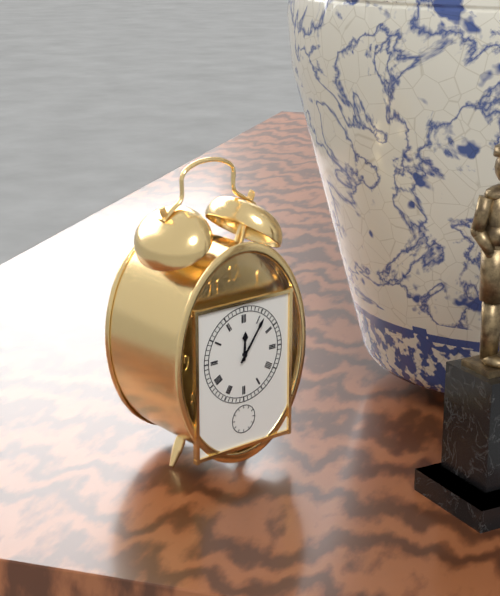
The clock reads {"hour": 12, "minute": 6}
